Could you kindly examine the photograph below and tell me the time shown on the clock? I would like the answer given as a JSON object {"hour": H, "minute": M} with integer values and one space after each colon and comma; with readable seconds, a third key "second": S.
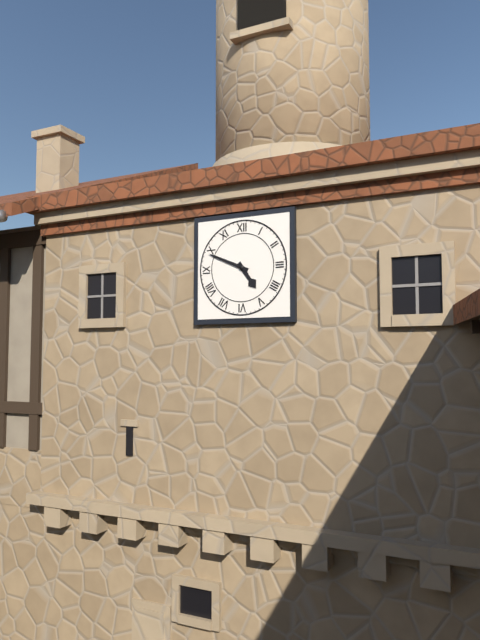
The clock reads {"hour": 4, "minute": 49}
